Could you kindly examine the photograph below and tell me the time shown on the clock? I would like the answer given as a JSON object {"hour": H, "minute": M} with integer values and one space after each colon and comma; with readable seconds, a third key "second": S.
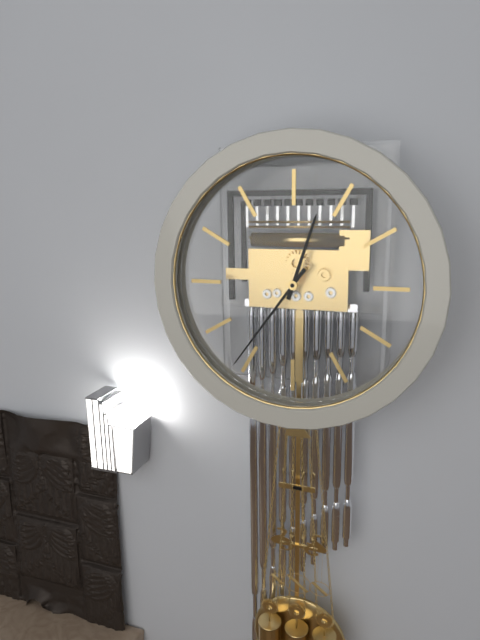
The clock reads {"hour": 12, "minute": 36}
